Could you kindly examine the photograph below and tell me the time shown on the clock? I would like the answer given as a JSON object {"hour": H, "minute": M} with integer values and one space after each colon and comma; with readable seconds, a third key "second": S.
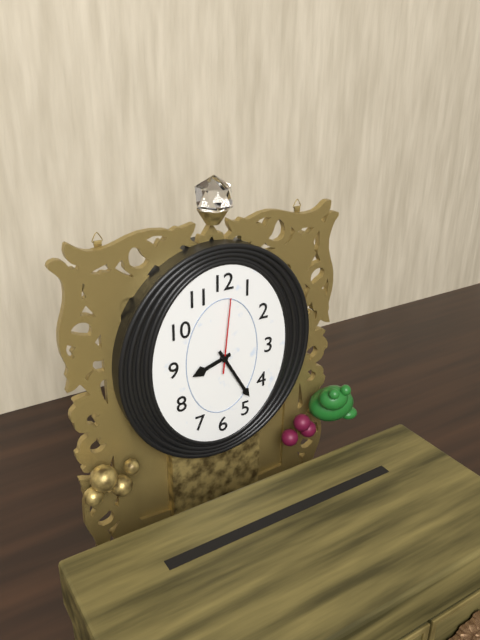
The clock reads {"hour": 8, "minute": 25, "second": 1}
